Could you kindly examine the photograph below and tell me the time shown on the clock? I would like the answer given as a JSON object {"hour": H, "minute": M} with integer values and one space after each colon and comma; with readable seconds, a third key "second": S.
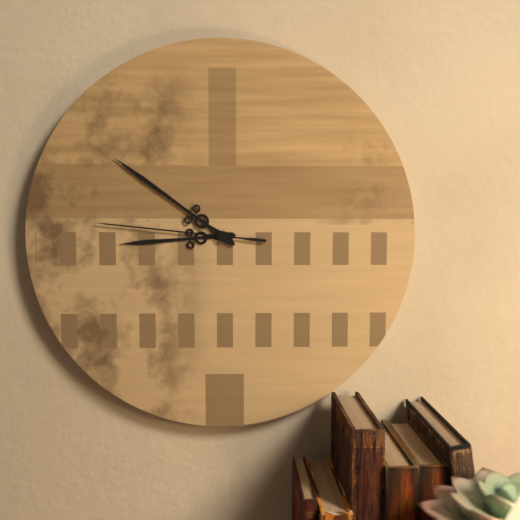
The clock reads {"hour": 8, "minute": 51, "second": 46}
